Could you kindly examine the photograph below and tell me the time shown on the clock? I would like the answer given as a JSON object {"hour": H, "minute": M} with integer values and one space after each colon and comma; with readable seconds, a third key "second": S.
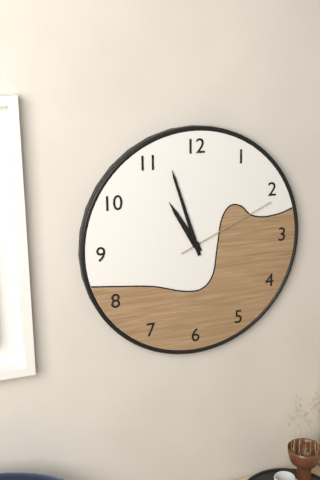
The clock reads {"hour": 10, "minute": 57, "second": 11}
